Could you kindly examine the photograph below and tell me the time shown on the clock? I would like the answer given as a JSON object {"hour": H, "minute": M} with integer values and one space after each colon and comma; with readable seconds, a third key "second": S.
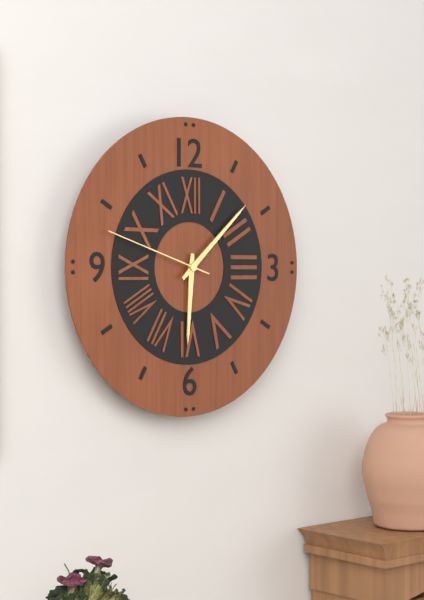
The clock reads {"hour": 6, "minute": 8, "second": 48}
